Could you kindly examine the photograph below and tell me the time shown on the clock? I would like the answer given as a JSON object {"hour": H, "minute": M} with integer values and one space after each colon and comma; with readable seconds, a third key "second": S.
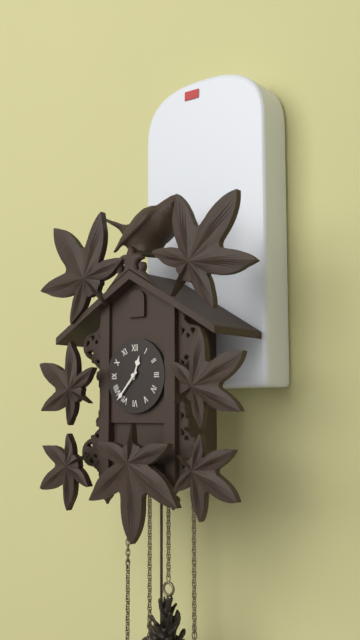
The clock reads {"hour": 12, "minute": 37}
